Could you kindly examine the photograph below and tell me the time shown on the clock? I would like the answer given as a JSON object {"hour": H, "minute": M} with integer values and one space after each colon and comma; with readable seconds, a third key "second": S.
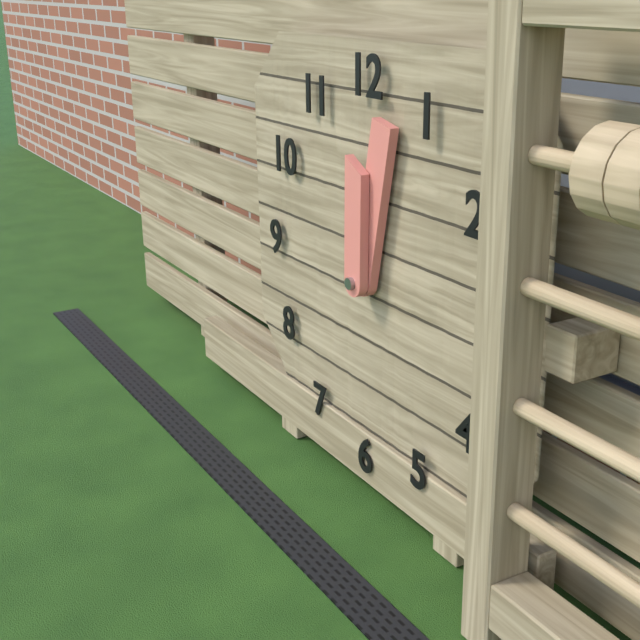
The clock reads {"hour": 12, "minute": 2}
